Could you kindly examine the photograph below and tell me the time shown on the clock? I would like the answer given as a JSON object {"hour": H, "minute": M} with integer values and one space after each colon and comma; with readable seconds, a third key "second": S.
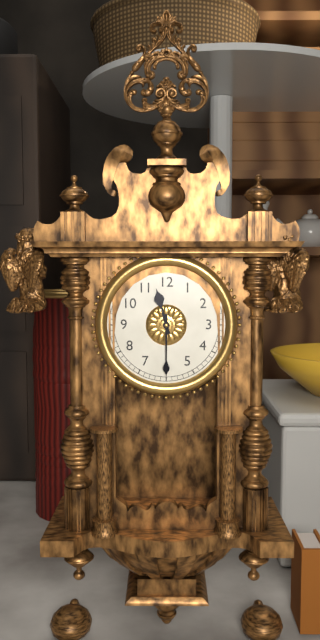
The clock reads {"hour": 11, "minute": 30}
